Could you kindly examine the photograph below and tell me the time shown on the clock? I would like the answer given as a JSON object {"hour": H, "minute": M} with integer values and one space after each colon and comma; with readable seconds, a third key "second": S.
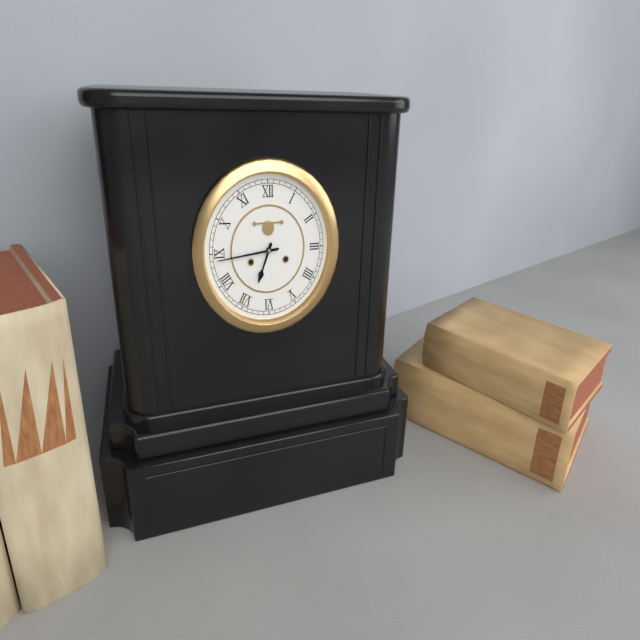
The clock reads {"hour": 6, "minute": 44}
